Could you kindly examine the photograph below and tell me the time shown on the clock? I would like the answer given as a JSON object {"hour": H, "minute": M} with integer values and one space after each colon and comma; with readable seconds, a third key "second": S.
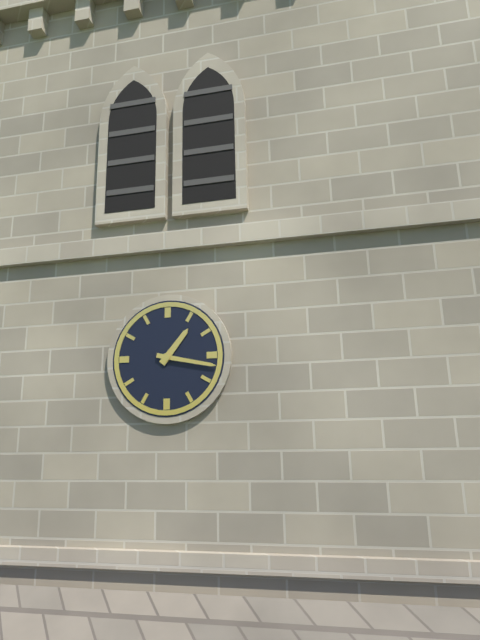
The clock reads {"hour": 1, "minute": 17}
